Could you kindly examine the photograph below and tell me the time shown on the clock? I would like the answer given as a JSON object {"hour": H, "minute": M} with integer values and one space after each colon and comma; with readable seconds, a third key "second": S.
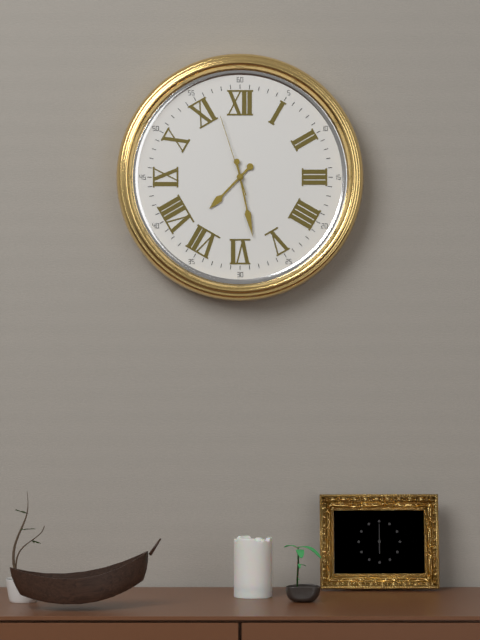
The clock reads {"hour": 7, "minute": 28, "second": 57}
